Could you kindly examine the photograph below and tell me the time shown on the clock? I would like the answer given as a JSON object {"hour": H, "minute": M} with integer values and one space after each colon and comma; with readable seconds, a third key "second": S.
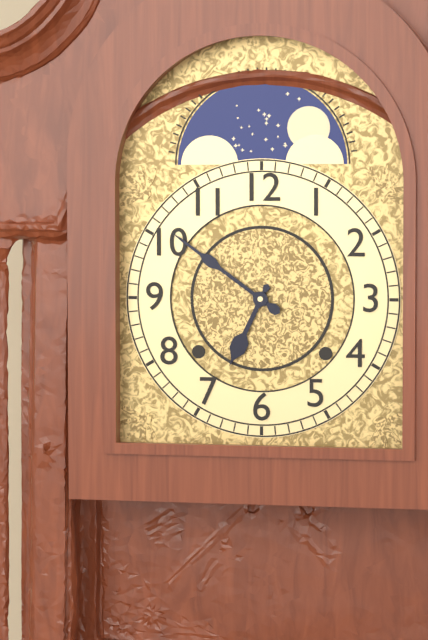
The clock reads {"hour": 6, "minute": 51}
